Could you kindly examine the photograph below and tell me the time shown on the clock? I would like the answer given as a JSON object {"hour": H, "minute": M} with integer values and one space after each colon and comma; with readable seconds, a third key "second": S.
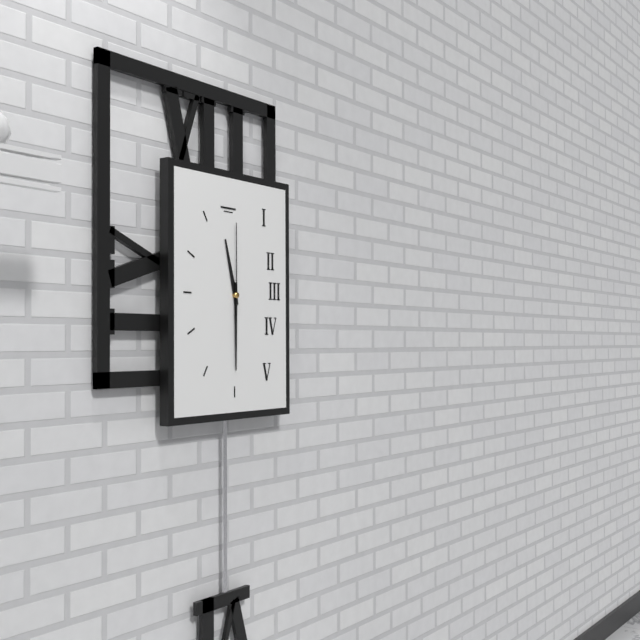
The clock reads {"hour": 11, "minute": 30, "second": 0}
